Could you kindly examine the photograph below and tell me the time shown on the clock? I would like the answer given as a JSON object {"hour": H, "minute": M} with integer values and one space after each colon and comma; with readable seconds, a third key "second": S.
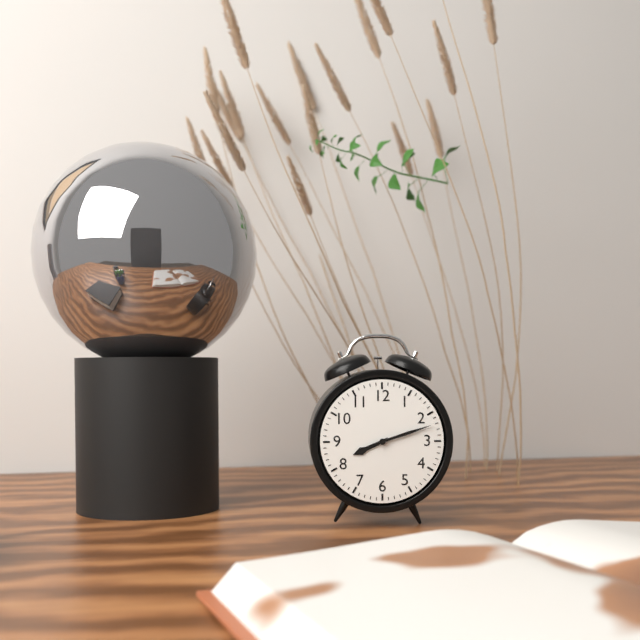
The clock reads {"hour": 8, "minute": 12}
